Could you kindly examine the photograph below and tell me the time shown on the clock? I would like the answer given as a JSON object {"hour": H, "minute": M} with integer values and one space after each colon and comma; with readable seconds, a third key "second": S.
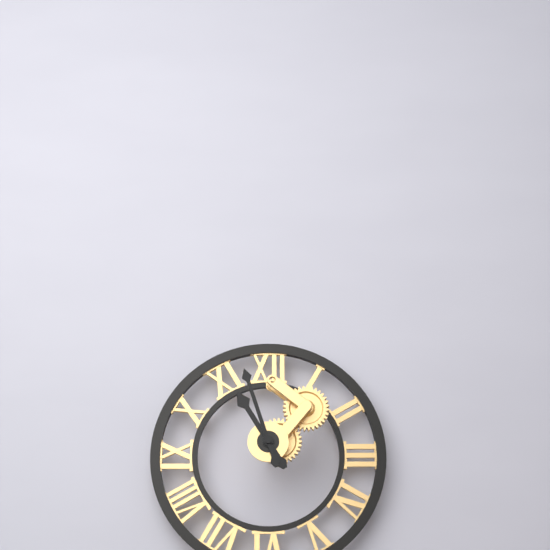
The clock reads {"hour": 10, "minute": 57}
